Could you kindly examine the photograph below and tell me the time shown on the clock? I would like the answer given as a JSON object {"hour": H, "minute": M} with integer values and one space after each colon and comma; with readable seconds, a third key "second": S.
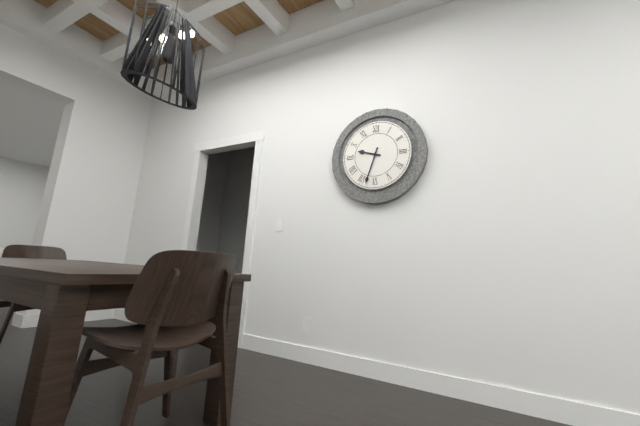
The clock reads {"hour": 9, "minute": 33}
